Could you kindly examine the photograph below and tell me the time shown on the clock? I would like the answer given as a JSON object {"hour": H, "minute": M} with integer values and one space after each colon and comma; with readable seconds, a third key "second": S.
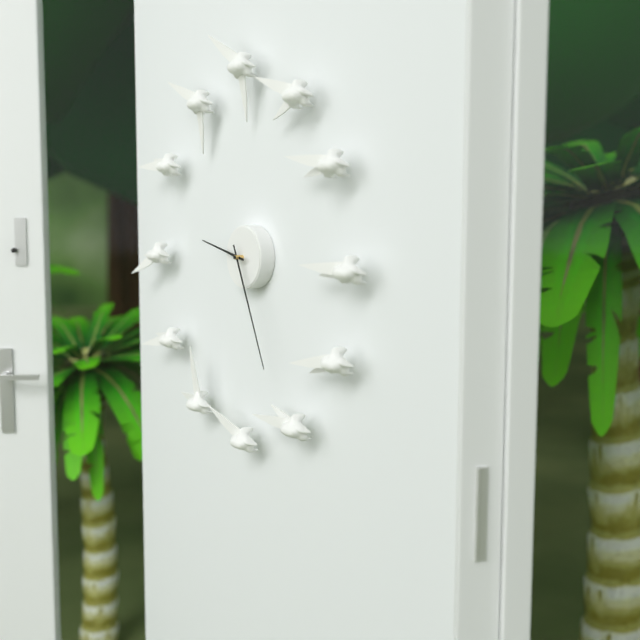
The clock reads {"hour": 9, "minute": 26}
